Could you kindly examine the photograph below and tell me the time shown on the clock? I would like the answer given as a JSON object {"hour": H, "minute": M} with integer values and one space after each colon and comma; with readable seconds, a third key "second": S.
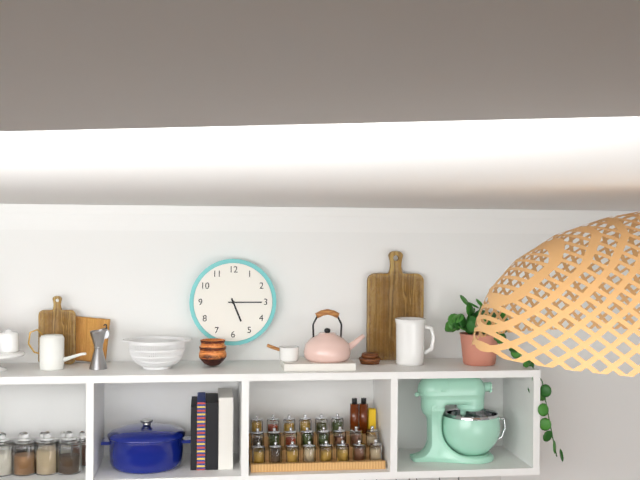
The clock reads {"hour": 5, "minute": 15}
